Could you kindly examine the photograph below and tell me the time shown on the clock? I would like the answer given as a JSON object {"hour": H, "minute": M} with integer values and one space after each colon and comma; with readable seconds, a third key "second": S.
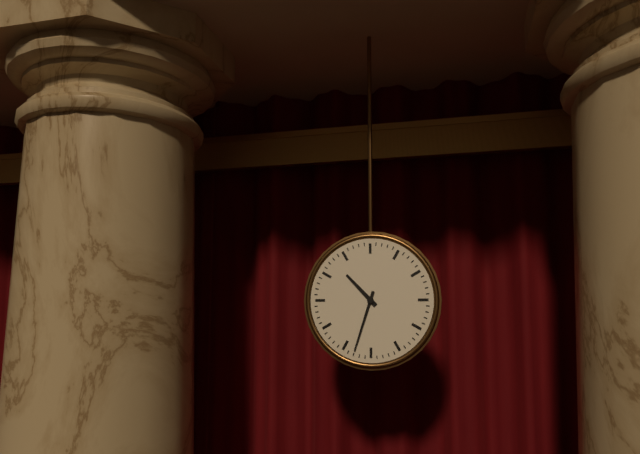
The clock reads {"hour": 10, "minute": 33}
